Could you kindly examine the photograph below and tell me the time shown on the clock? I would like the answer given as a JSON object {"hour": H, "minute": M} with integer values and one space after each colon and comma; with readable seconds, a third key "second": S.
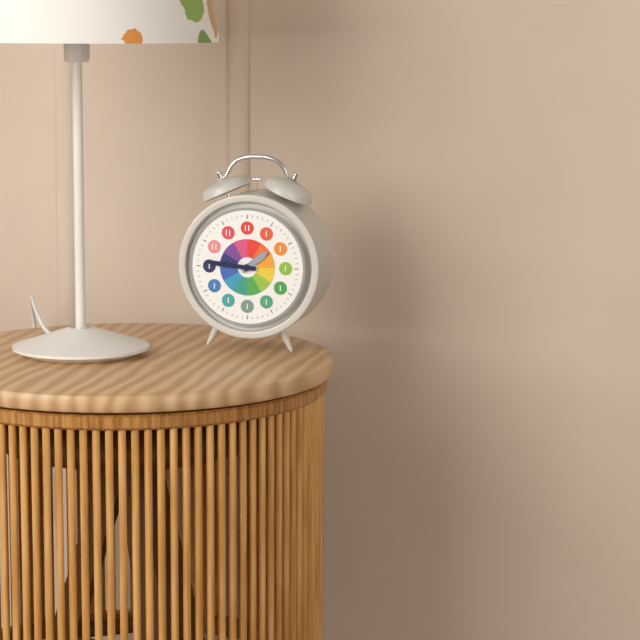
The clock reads {"hour": 1, "minute": 46}
